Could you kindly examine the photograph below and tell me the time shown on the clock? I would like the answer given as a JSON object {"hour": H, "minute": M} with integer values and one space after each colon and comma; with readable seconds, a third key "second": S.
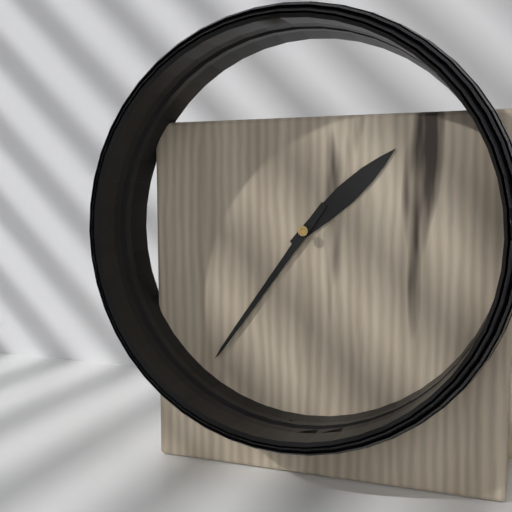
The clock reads {"hour": 1, "minute": 36}
